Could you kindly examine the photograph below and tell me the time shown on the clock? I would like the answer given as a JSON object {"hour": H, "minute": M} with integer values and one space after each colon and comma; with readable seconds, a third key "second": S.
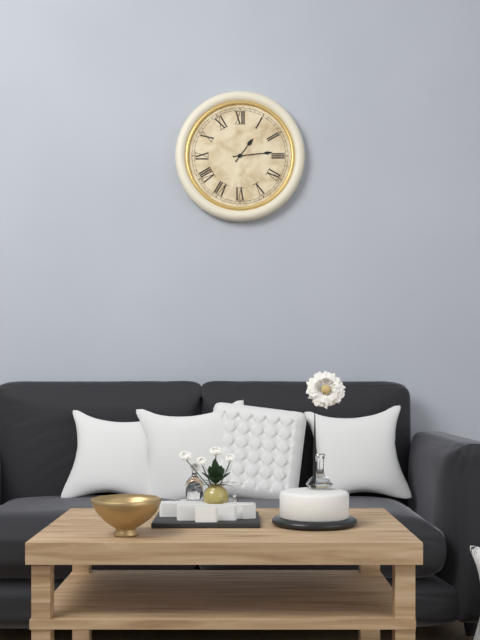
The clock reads {"hour": 1, "minute": 14}
